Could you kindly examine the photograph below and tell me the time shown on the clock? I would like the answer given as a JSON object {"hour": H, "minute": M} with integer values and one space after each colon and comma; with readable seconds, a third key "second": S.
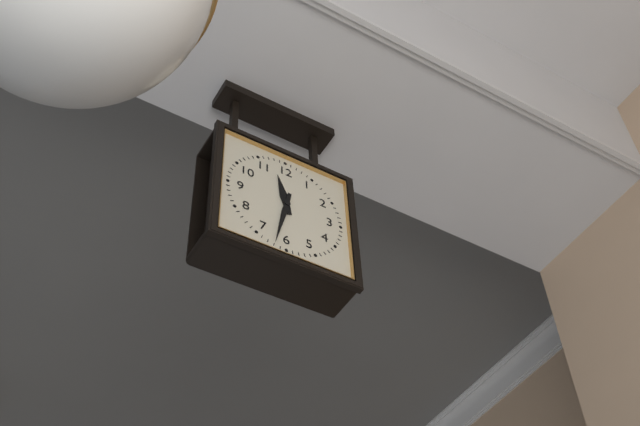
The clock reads {"hour": 11, "minute": 32}
